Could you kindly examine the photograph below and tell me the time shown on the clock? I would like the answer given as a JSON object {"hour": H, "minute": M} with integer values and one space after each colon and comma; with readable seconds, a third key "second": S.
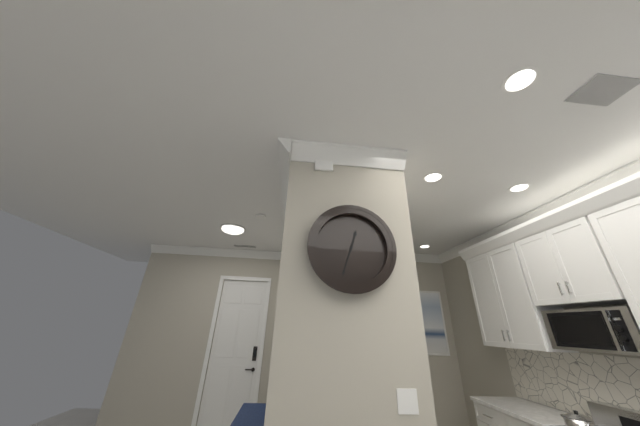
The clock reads {"hour": 12, "minute": 33}
